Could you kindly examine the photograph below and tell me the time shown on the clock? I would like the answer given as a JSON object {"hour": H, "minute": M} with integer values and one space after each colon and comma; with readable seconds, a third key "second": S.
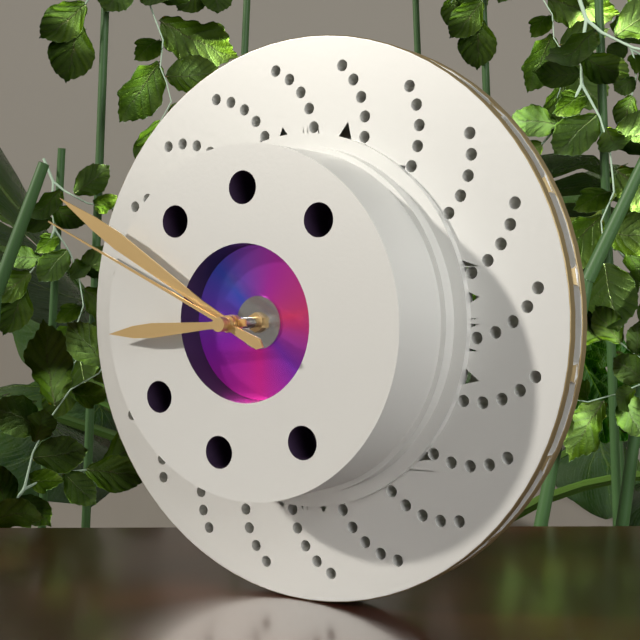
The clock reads {"hour": 8, "minute": 50, "second": 49}
